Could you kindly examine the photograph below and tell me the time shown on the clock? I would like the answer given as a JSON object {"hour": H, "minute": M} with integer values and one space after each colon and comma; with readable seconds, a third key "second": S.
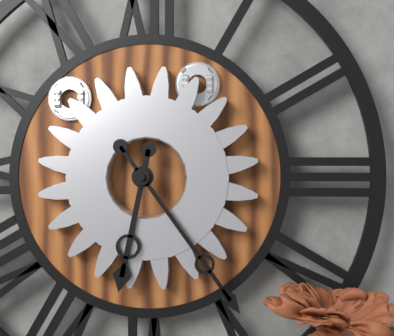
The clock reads {"hour": 6, "minute": 24}
